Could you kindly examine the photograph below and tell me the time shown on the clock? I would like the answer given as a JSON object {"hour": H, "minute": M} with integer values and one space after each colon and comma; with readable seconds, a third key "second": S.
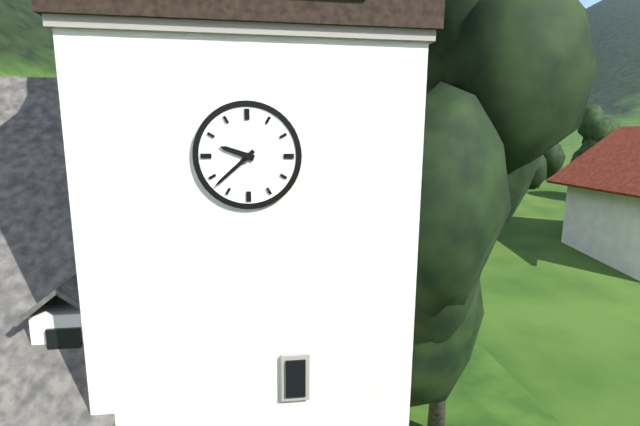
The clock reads {"hour": 9, "minute": 38}
